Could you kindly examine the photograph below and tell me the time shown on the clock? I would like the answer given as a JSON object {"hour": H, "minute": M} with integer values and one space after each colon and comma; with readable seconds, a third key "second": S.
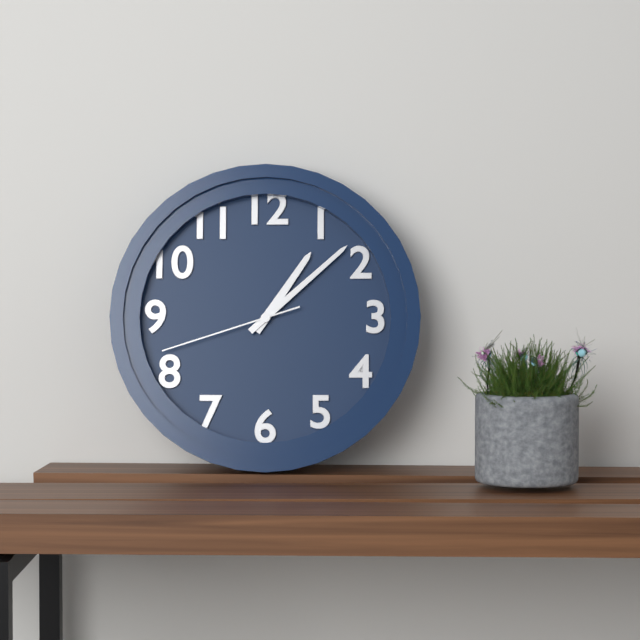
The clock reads {"hour": 1, "minute": 8, "second": 42}
